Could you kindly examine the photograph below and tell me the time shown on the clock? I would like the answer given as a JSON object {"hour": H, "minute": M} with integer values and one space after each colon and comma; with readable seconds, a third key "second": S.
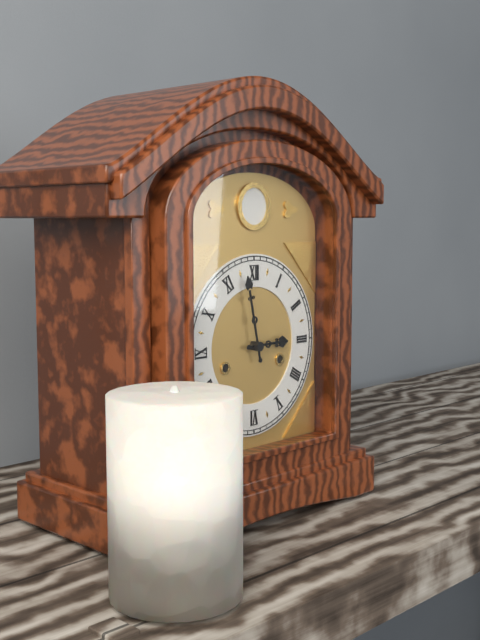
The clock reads {"hour": 2, "minute": 58}
